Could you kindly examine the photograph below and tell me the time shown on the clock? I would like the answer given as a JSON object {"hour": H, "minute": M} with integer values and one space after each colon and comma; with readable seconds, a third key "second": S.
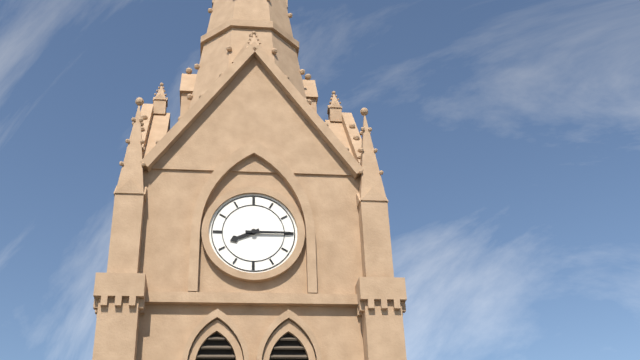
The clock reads {"hour": 8, "minute": 15}
